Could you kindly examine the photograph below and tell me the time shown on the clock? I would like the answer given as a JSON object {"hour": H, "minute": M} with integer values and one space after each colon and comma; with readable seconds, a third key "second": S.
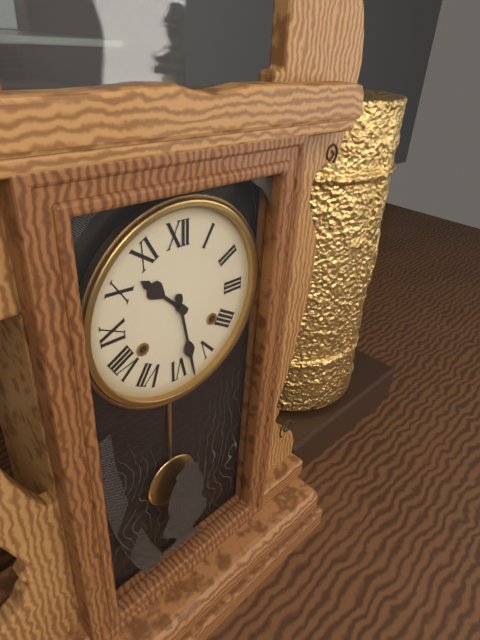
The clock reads {"hour": 10, "minute": 28}
